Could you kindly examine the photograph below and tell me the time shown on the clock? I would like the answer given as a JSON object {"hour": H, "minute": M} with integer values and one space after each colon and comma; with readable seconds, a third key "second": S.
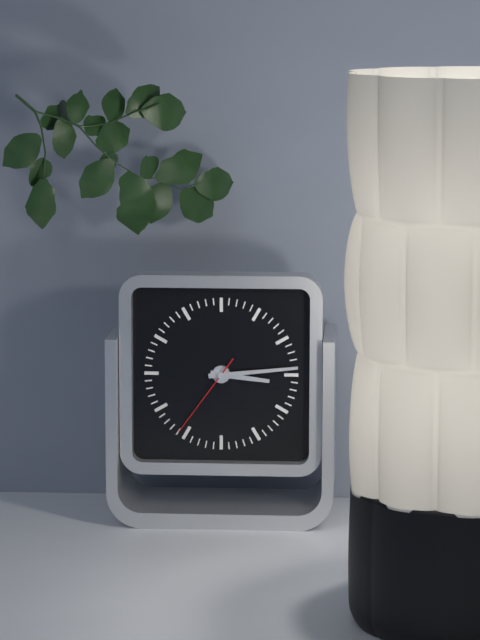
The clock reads {"hour": 3, "minute": 14, "second": 36}
